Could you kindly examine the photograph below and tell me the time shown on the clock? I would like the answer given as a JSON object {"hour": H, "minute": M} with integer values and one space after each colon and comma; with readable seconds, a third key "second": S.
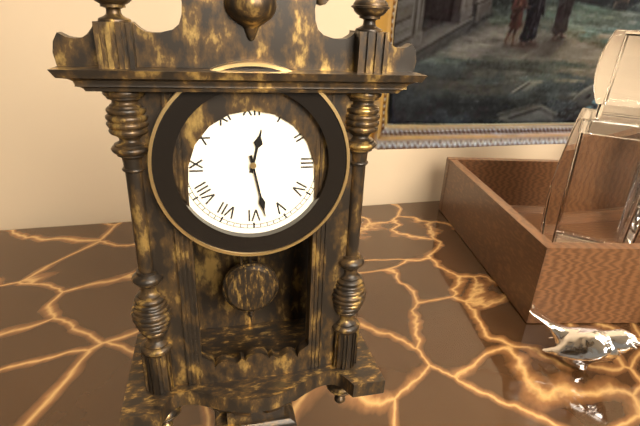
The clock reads {"hour": 12, "minute": 28}
